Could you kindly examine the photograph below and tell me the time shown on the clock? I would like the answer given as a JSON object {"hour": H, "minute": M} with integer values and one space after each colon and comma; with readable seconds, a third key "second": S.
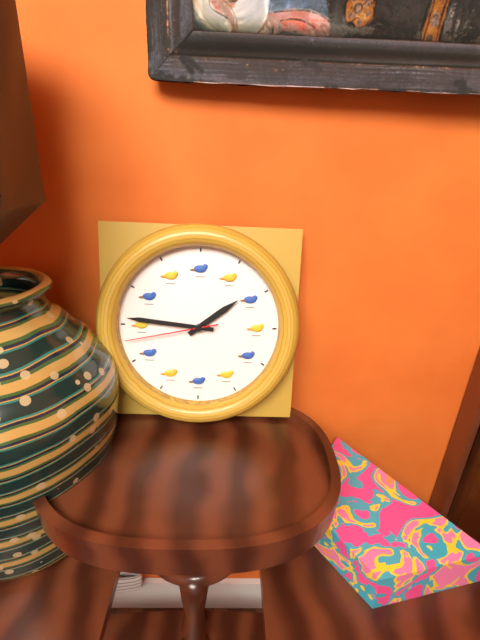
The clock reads {"hour": 1, "minute": 46, "second": 43}
